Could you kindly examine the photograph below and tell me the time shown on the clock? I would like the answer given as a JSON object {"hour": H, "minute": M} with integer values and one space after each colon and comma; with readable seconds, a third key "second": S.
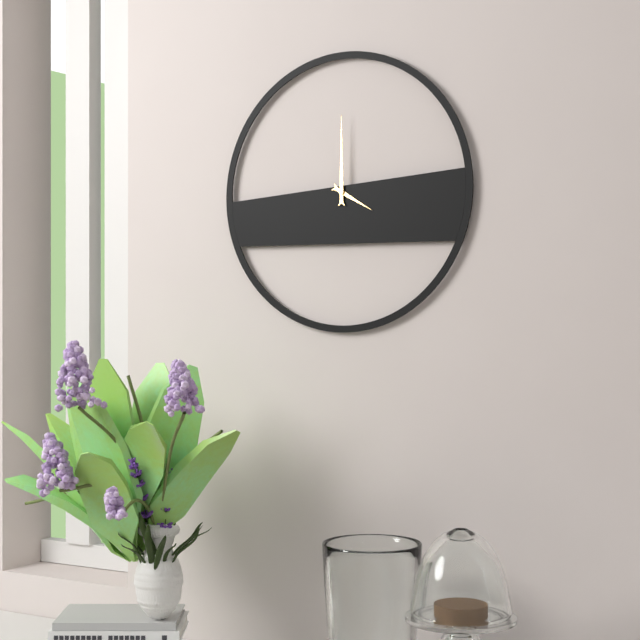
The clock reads {"hour": 4, "minute": 0}
